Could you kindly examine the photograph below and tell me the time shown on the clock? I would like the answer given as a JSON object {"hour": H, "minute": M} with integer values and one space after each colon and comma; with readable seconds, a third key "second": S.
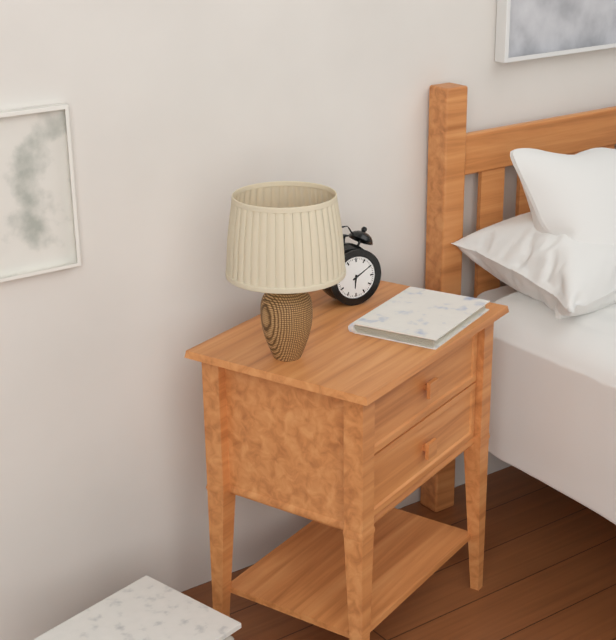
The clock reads {"hour": 6, "minute": 10}
